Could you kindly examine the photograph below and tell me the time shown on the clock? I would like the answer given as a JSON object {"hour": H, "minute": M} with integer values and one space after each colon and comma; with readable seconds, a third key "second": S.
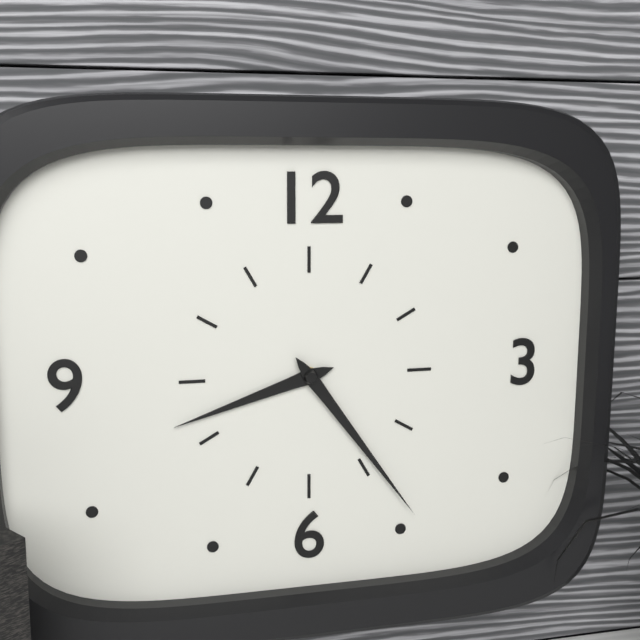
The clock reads {"hour": 8, "minute": 24}
